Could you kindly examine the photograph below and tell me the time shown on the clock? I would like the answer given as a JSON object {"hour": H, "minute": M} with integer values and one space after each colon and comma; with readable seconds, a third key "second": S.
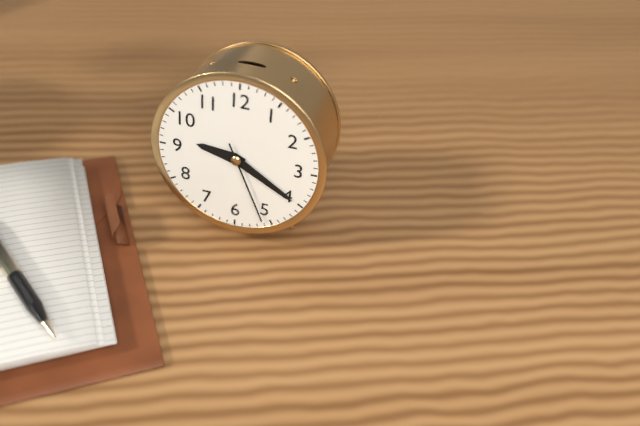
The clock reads {"hour": 9, "minute": 20, "second": 26}
